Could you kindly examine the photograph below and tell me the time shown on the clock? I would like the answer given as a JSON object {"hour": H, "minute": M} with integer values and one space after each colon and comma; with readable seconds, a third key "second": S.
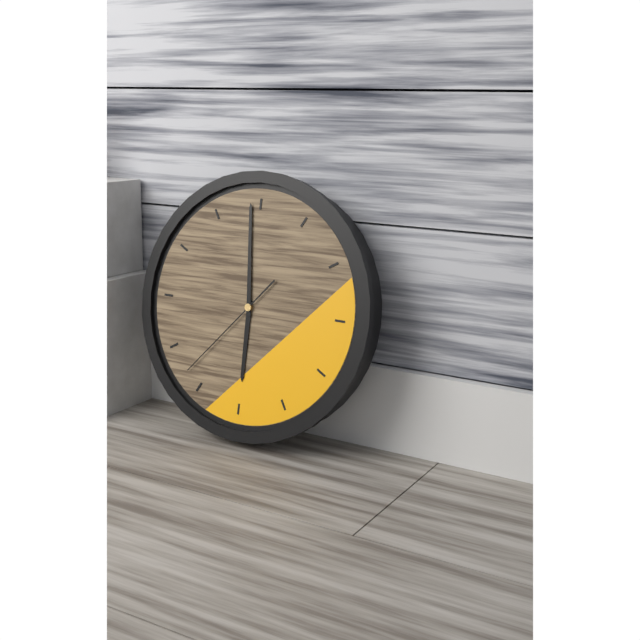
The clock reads {"hour": 5, "minute": 59, "second": 37}
